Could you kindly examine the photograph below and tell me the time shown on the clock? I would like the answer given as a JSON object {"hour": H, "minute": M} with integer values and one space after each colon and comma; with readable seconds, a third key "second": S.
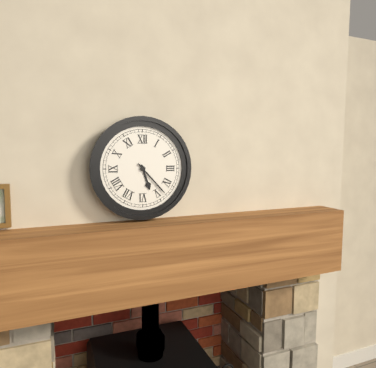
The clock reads {"hour": 5, "minute": 23}
